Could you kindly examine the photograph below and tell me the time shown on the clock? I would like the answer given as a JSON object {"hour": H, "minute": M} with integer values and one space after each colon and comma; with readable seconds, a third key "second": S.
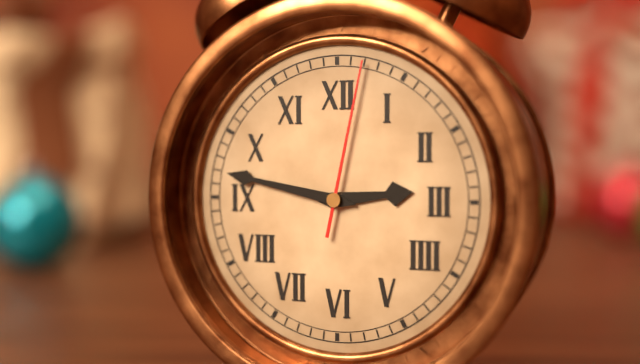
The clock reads {"hour": 2, "minute": 47, "second": 2}
